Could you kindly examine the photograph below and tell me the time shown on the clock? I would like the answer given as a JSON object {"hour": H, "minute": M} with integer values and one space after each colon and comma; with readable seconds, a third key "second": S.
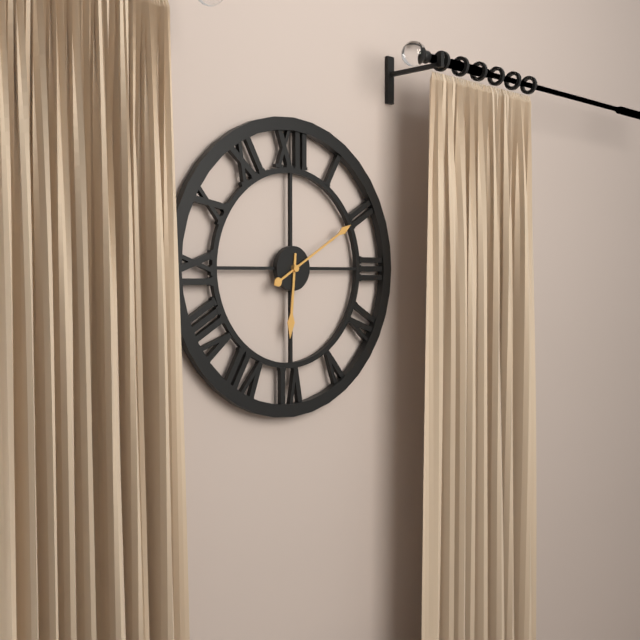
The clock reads {"hour": 6, "minute": 10}
